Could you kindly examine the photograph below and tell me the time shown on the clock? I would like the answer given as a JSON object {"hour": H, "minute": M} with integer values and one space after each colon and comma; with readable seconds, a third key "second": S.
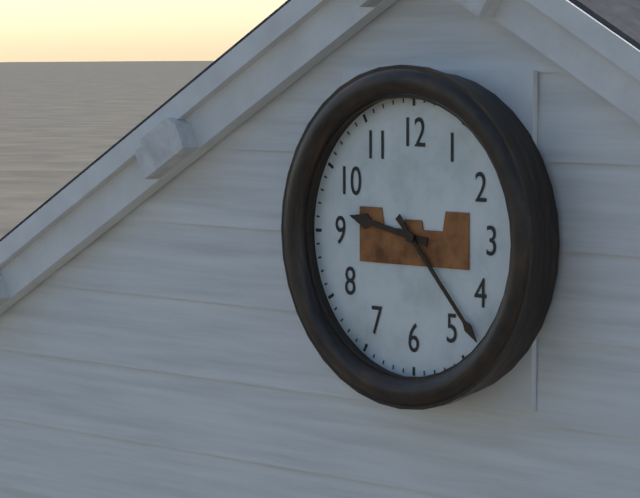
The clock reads {"hour": 9, "minute": 23}
